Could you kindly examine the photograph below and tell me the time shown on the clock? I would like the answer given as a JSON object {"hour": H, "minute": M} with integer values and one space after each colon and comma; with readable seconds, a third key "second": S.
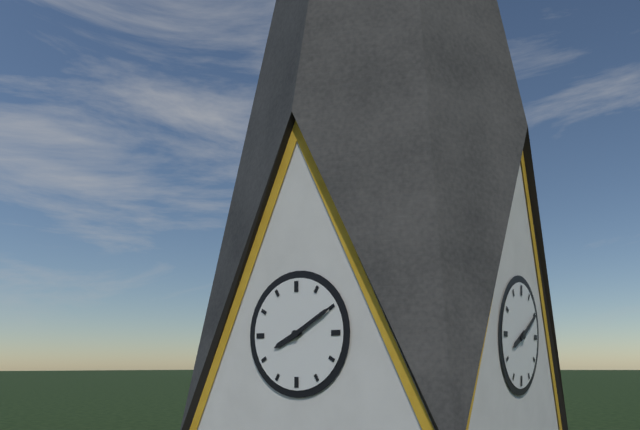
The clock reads {"hour": 8, "minute": 10}
